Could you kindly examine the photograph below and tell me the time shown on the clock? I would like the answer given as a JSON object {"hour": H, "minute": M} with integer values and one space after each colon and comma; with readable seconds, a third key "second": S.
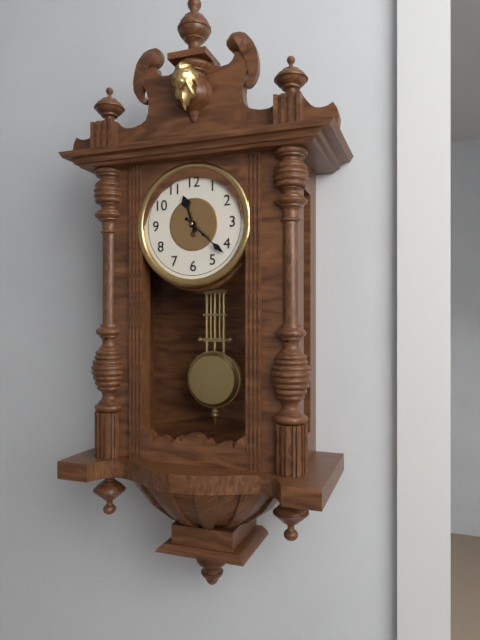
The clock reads {"hour": 11, "minute": 22}
